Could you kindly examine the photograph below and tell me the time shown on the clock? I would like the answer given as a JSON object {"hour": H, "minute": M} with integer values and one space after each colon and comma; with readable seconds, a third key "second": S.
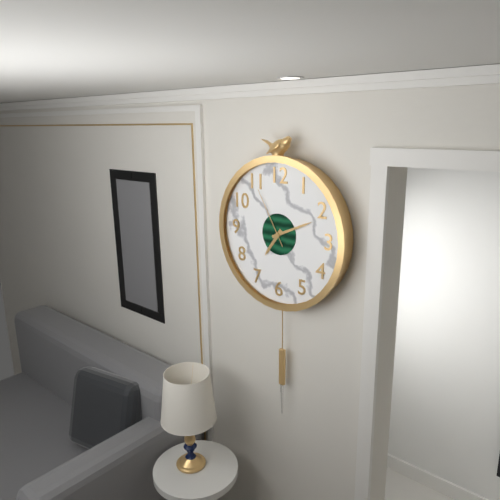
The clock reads {"hour": 7, "minute": 11, "second": 55}
